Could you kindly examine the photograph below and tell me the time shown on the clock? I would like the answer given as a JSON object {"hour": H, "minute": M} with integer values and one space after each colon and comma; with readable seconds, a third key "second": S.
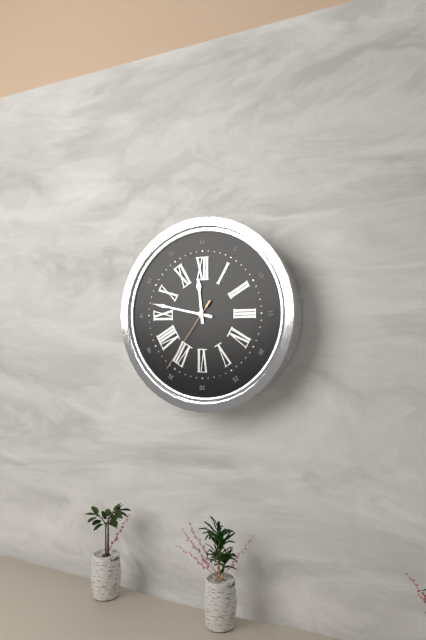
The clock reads {"hour": 11, "minute": 47, "second": 36}
